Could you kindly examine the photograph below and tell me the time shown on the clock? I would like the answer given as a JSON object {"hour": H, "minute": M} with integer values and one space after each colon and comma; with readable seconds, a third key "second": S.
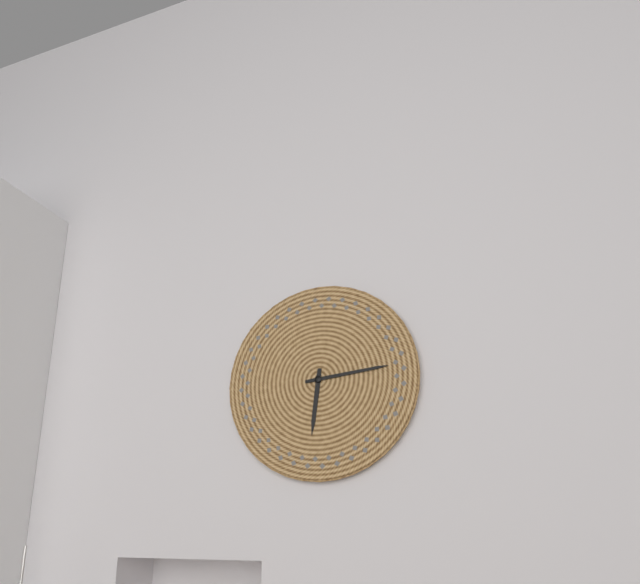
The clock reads {"hour": 6, "minute": 14}
